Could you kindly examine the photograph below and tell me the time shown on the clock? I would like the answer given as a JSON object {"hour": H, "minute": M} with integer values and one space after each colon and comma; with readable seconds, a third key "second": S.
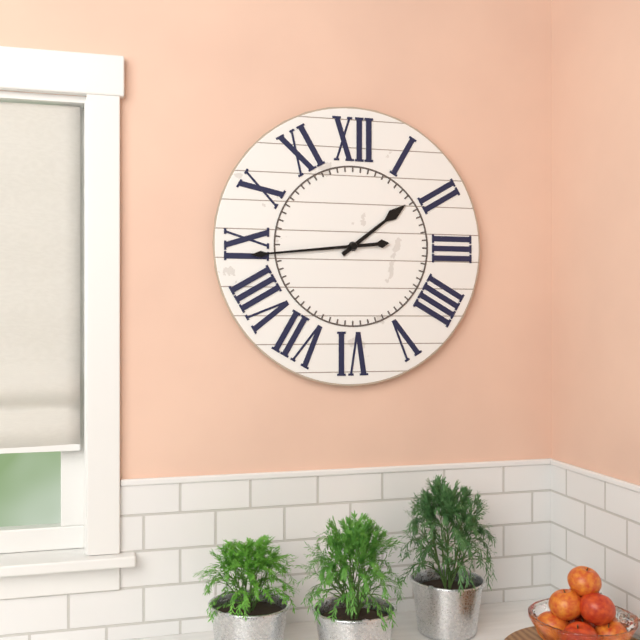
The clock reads {"hour": 1, "minute": 44}
